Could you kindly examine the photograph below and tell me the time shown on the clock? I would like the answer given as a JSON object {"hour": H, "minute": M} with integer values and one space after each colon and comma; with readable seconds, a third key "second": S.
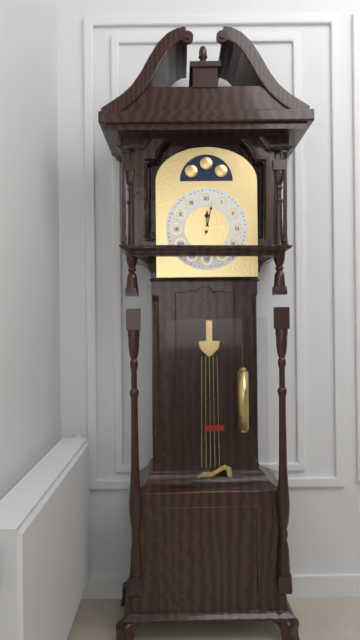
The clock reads {"hour": 12, "minute": 2}
